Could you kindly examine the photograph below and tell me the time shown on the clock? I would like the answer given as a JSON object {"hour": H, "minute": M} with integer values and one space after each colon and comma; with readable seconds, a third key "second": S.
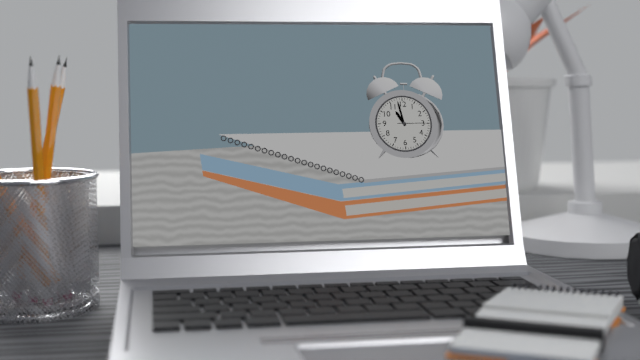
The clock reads {"hour": 10, "minute": 58}
